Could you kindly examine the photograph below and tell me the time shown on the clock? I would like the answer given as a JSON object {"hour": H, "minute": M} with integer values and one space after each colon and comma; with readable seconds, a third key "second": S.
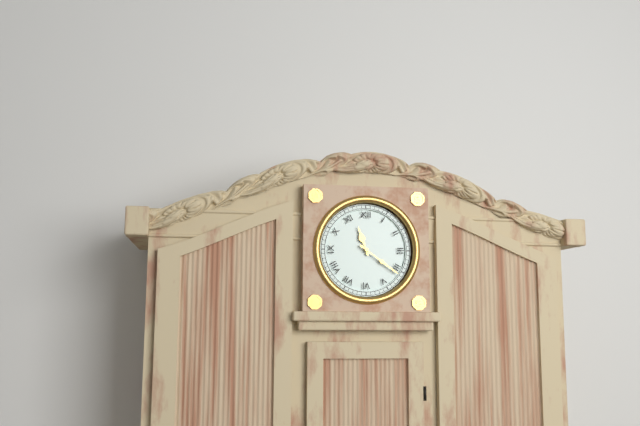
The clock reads {"hour": 11, "minute": 21}
